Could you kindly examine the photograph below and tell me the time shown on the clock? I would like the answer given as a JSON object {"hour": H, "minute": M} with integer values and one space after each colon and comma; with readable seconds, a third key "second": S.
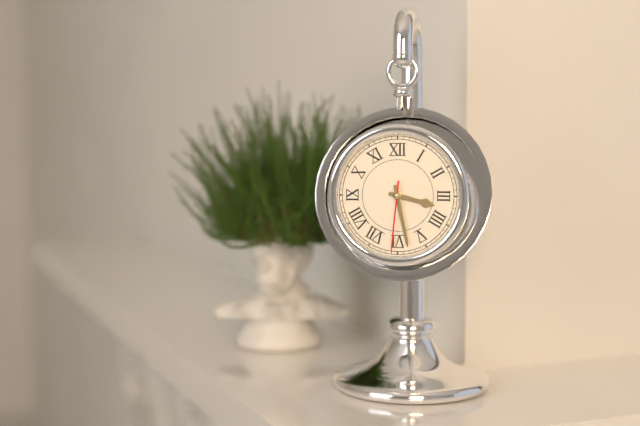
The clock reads {"hour": 3, "minute": 28, "second": 31}
